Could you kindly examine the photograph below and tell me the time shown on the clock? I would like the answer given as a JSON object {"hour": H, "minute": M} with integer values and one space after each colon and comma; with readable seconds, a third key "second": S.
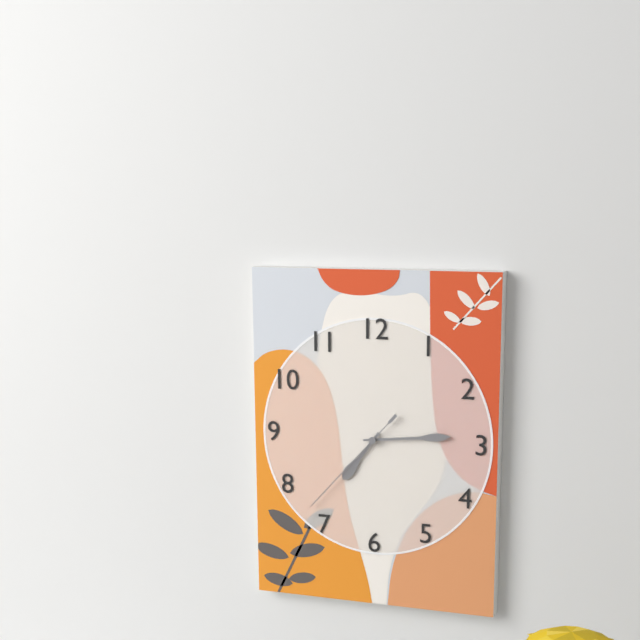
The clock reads {"hour": 7, "minute": 14, "second": 37}
